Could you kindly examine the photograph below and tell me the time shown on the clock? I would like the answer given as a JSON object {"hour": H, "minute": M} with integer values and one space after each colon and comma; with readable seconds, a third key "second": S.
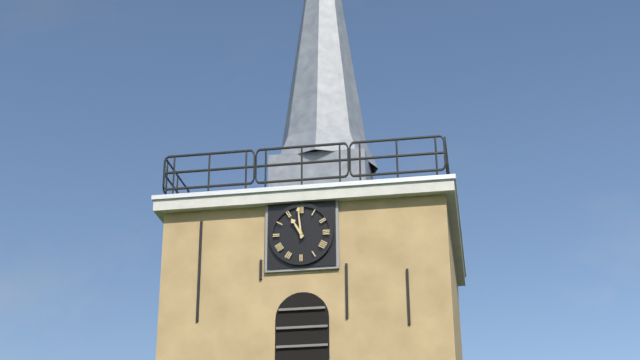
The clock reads {"hour": 10, "minute": 59}
